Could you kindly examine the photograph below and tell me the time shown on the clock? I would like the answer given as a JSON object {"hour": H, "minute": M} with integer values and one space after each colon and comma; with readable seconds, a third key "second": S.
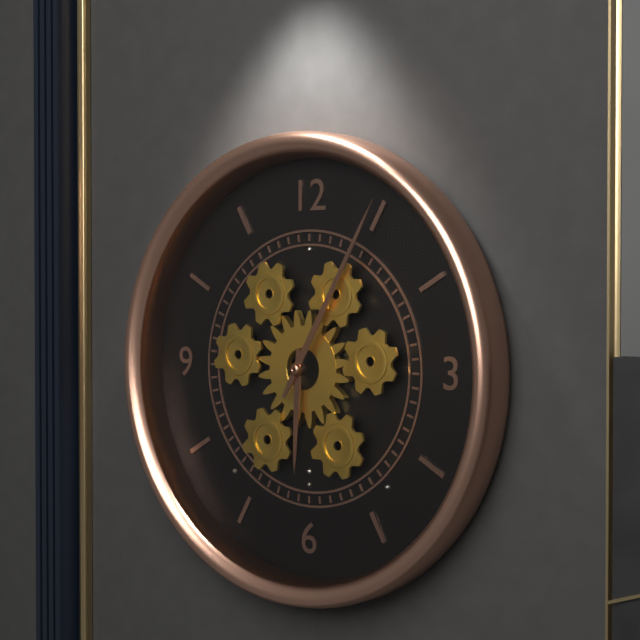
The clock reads {"hour": 6, "minute": 5}
